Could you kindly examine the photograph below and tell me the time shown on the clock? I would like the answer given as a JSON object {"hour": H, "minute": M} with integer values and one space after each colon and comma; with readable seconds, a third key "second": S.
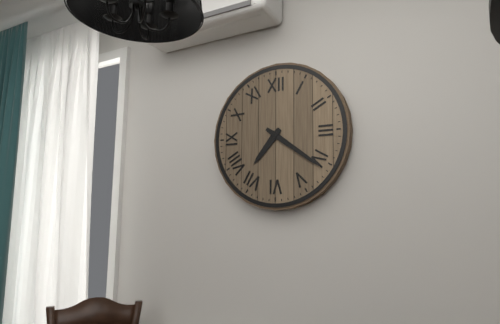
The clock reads {"hour": 7, "minute": 21}
